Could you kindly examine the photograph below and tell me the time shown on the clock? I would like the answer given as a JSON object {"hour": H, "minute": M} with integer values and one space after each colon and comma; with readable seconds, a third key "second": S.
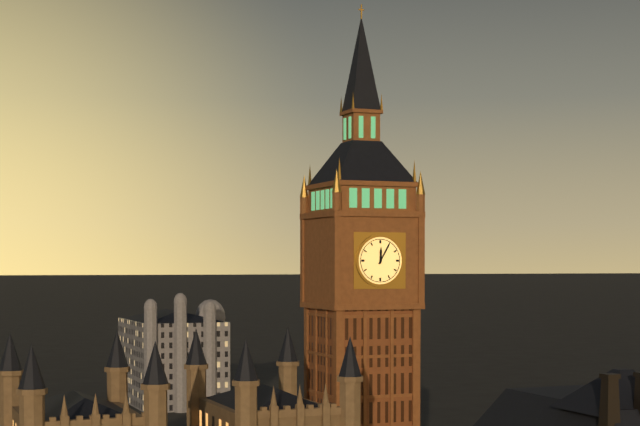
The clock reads {"hour": 12, "minute": 5}
